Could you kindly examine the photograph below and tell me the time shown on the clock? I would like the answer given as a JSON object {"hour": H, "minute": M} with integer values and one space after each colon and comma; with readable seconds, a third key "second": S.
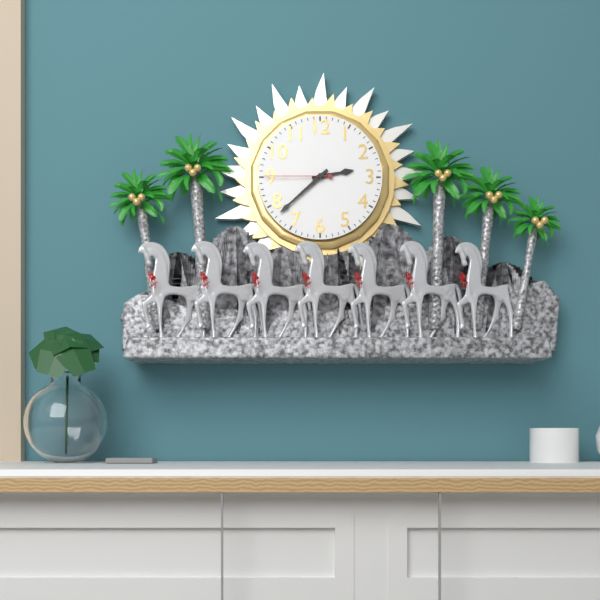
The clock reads {"hour": 2, "minute": 38, "second": 45}
